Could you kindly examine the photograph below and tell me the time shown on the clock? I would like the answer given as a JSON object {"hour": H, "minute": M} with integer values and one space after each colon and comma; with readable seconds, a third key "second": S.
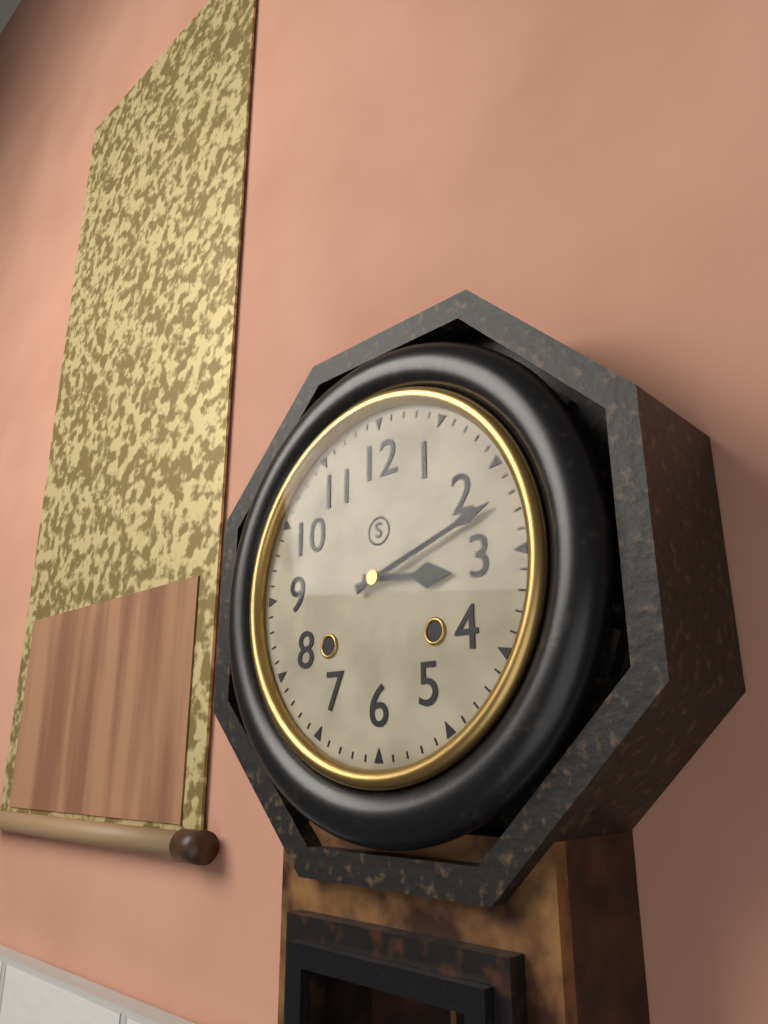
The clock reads {"hour": 3, "minute": 12}
